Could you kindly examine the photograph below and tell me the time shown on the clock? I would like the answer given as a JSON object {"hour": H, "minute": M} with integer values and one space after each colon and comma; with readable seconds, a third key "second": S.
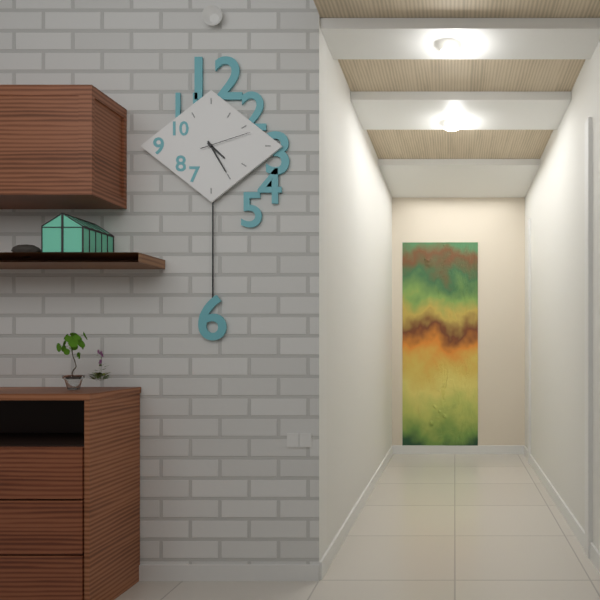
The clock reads {"hour": 4, "minute": 25, "second": 12}
